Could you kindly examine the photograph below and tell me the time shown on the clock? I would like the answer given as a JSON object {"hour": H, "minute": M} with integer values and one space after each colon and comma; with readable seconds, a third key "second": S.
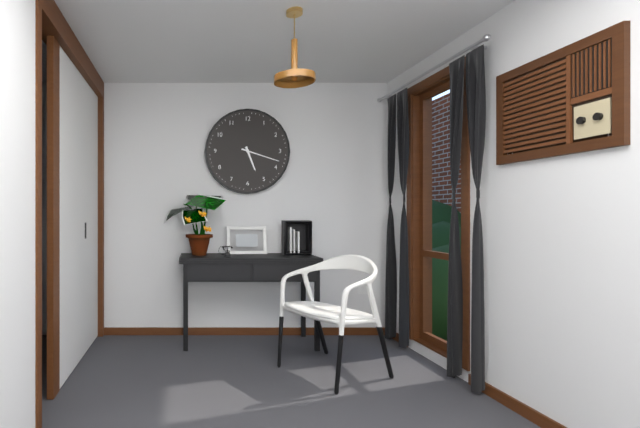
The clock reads {"hour": 5, "minute": 18}
